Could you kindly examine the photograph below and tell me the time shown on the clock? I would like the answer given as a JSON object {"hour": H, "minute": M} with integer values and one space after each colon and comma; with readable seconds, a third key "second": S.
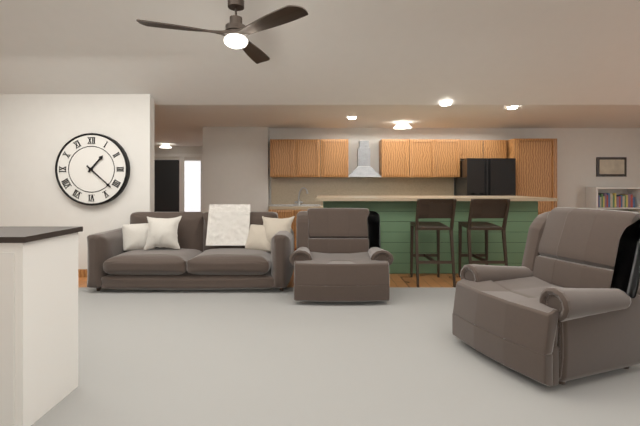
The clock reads {"hour": 1, "minute": 22}
